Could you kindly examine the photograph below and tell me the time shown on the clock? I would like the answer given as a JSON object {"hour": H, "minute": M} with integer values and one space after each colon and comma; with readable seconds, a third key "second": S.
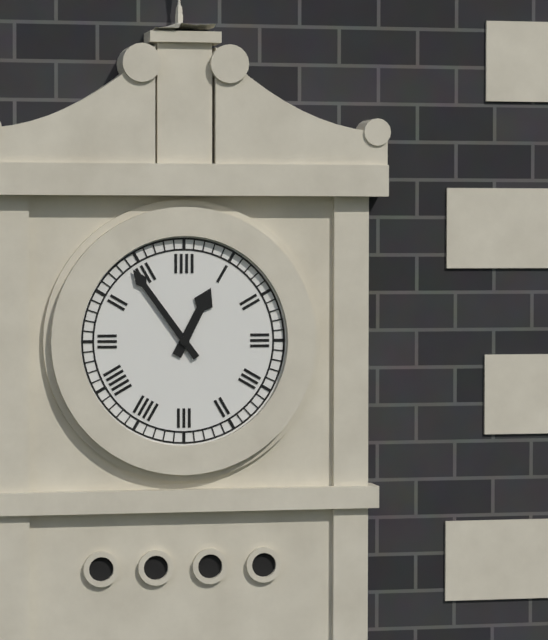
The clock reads {"hour": 12, "minute": 54}
